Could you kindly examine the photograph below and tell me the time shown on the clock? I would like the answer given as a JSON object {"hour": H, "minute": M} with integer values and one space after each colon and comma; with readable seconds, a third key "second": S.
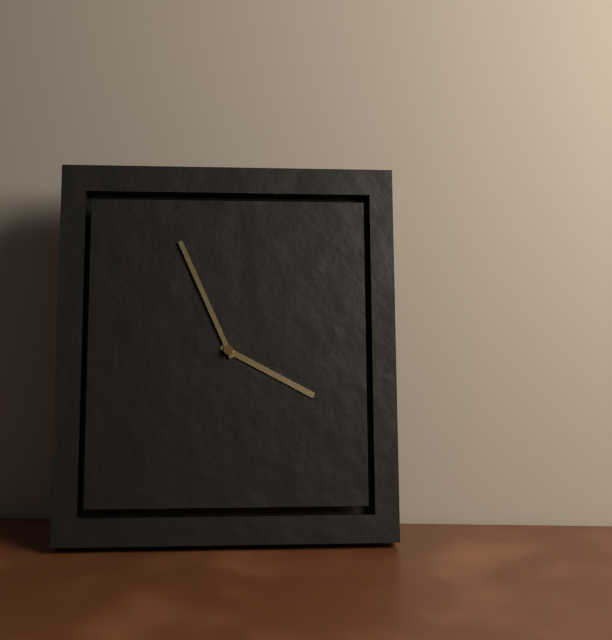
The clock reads {"hour": 3, "minute": 56}
